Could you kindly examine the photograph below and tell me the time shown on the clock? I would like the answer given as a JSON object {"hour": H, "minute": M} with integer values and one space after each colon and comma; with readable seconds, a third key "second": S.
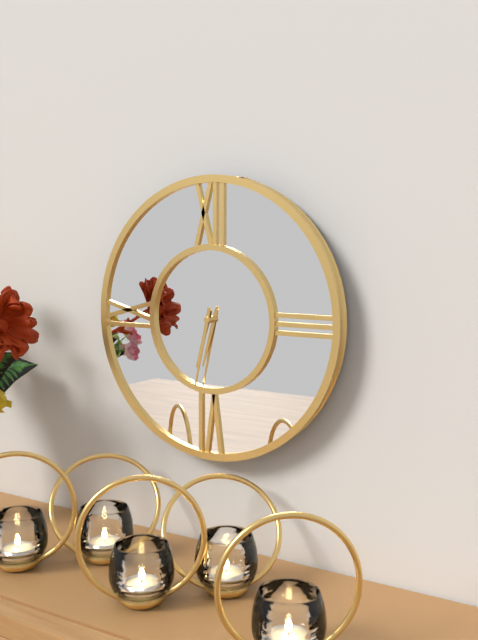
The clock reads {"hour": 6, "minute": 32}
